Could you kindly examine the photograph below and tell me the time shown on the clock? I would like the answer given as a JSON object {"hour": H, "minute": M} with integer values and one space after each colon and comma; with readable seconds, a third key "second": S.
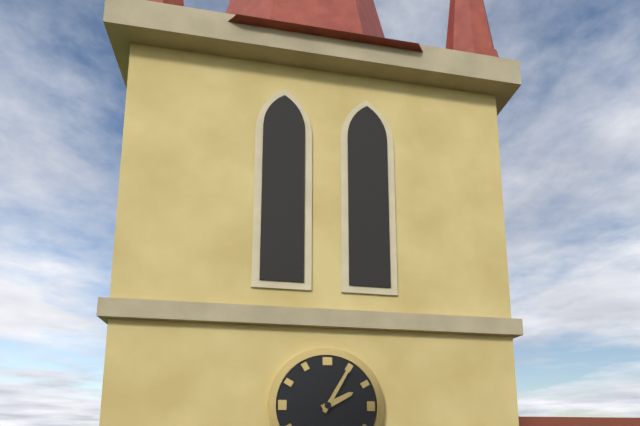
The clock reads {"hour": 2, "minute": 5}
